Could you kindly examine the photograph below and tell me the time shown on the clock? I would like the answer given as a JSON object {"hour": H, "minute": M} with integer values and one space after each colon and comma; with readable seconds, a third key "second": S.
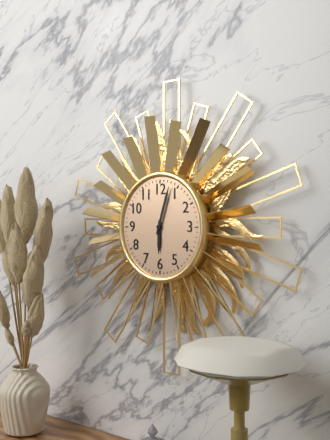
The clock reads {"hour": 6, "minute": 3}
